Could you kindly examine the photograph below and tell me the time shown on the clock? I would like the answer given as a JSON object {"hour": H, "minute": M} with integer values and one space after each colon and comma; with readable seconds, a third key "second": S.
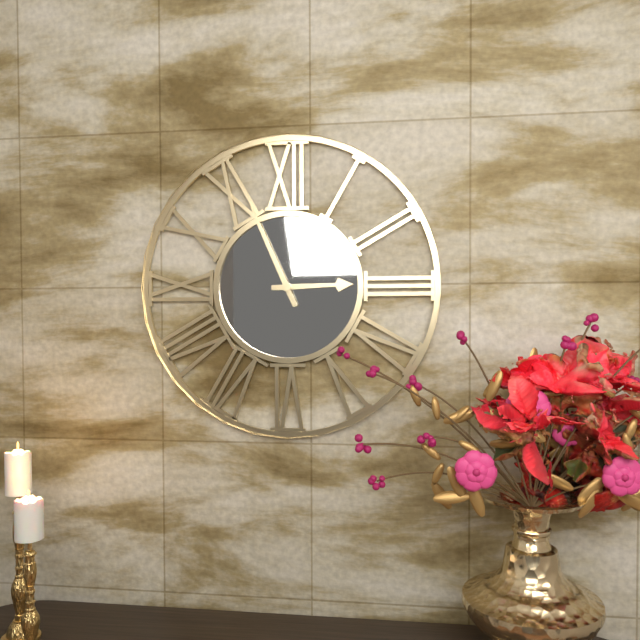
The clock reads {"hour": 2, "minute": 56}
